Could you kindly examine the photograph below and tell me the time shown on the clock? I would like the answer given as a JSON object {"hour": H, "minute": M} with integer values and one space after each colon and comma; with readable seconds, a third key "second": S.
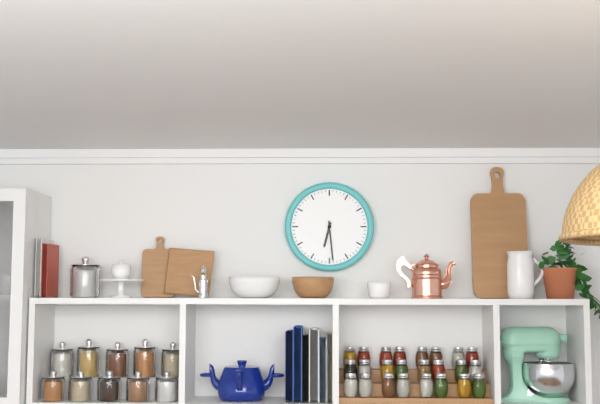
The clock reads {"hour": 6, "minute": 29}
